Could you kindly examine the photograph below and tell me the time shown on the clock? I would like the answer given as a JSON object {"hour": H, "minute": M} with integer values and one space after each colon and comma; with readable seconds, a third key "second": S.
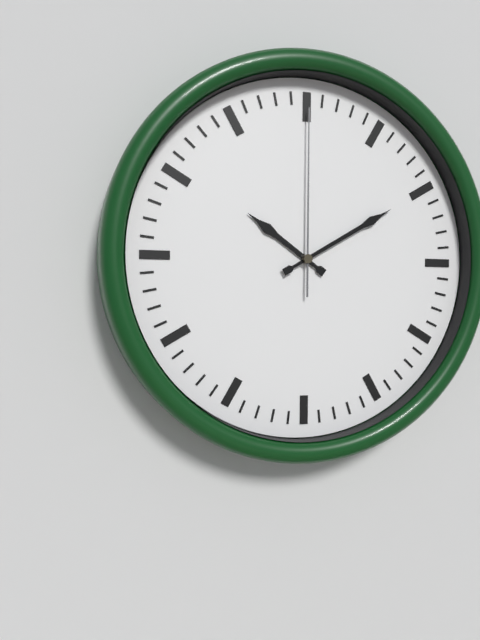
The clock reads {"hour": 10, "minute": 10, "second": 0}
